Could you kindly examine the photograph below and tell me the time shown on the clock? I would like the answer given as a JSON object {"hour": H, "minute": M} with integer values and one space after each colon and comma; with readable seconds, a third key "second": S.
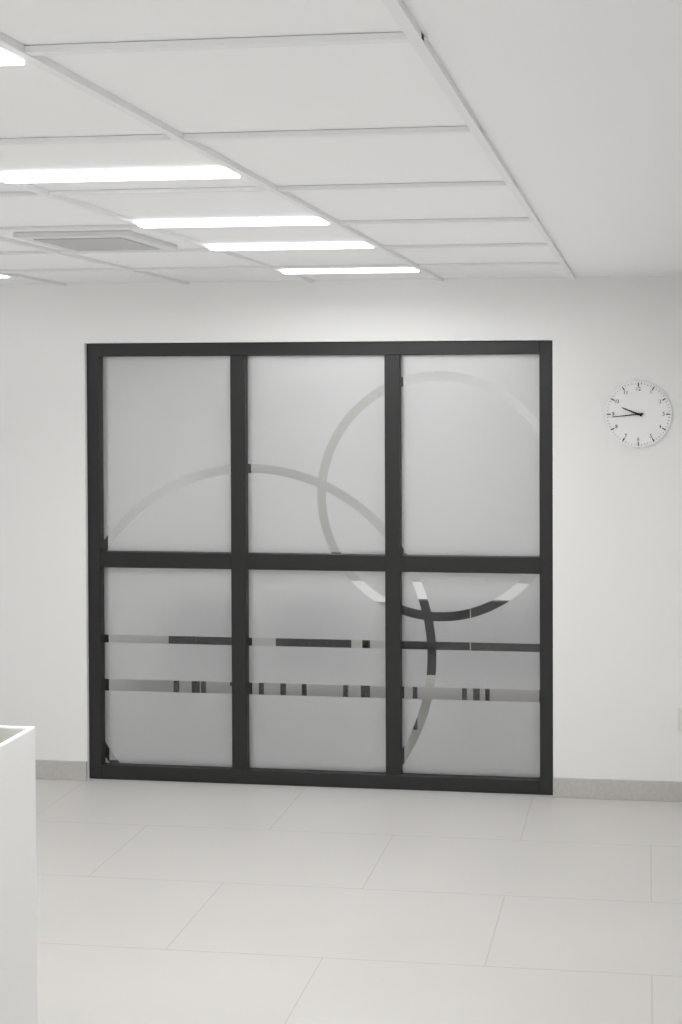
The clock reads {"hour": 9, "minute": 44}
